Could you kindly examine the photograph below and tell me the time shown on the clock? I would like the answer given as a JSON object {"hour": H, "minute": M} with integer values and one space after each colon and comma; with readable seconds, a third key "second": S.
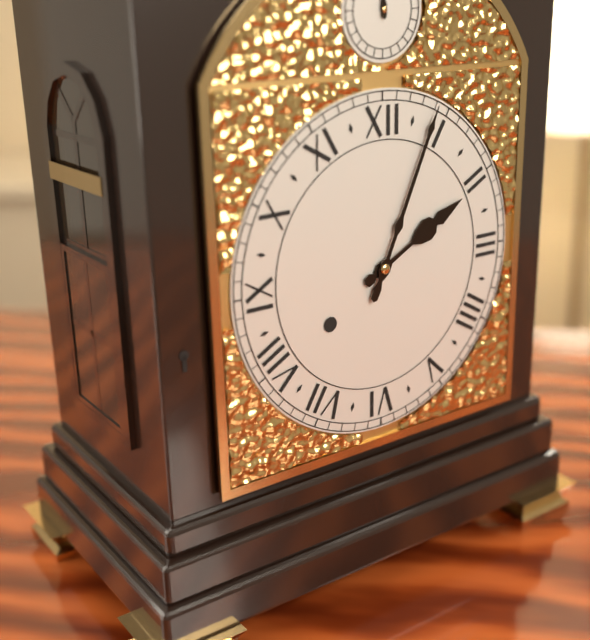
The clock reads {"hour": 2, "minute": 4}
